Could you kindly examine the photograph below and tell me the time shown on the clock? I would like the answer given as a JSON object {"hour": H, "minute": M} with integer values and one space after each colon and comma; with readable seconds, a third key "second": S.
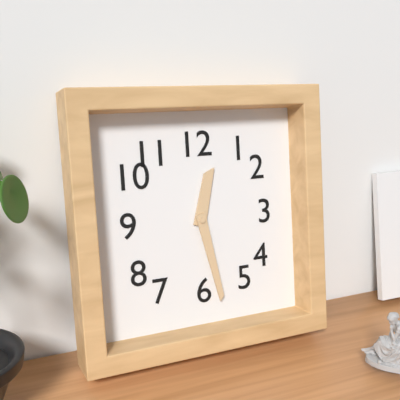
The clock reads {"hour": 12, "minute": 28}
